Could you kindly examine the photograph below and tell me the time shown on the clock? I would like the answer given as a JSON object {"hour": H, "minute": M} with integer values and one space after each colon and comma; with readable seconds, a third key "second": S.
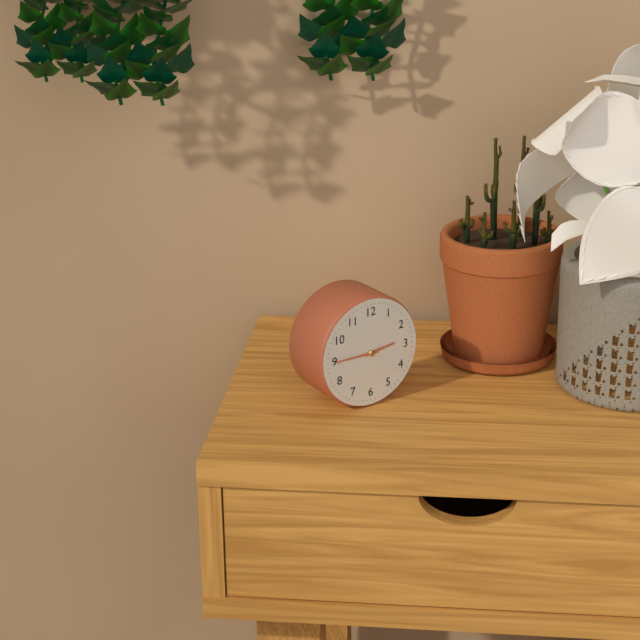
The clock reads {"hour": 2, "minute": 45}
